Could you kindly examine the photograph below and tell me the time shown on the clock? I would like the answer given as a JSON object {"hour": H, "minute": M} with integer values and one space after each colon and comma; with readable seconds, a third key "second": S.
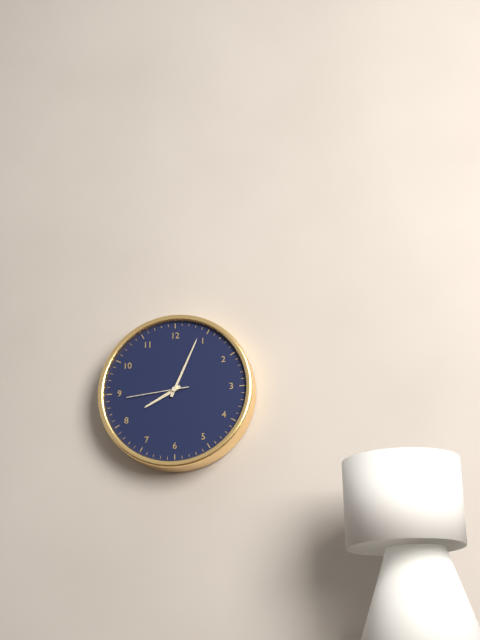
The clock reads {"hour": 8, "minute": 4, "second": 44}
